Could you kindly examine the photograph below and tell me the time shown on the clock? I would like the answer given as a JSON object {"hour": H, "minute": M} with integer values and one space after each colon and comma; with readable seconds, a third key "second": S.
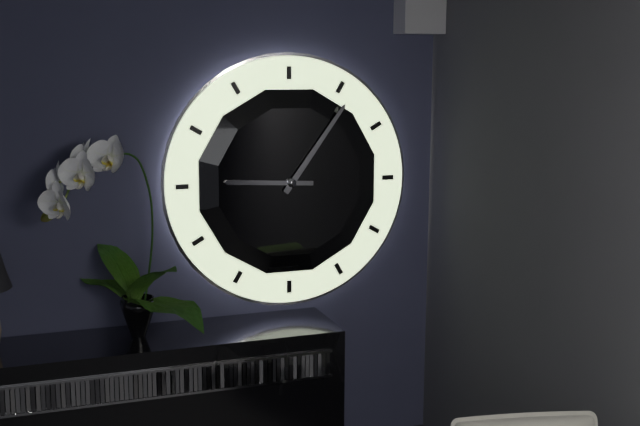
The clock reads {"hour": 9, "minute": 6}
